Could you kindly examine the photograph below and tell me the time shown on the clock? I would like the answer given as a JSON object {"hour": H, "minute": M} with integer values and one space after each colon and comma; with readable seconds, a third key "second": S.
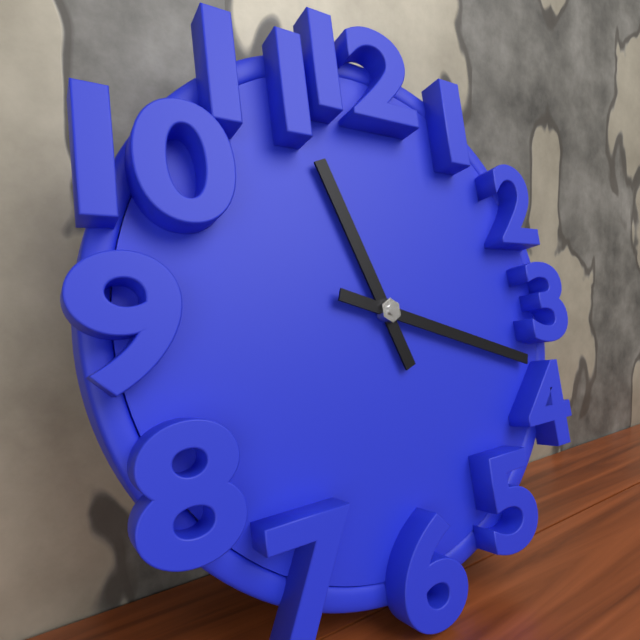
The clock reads {"hour": 11, "minute": 18}
